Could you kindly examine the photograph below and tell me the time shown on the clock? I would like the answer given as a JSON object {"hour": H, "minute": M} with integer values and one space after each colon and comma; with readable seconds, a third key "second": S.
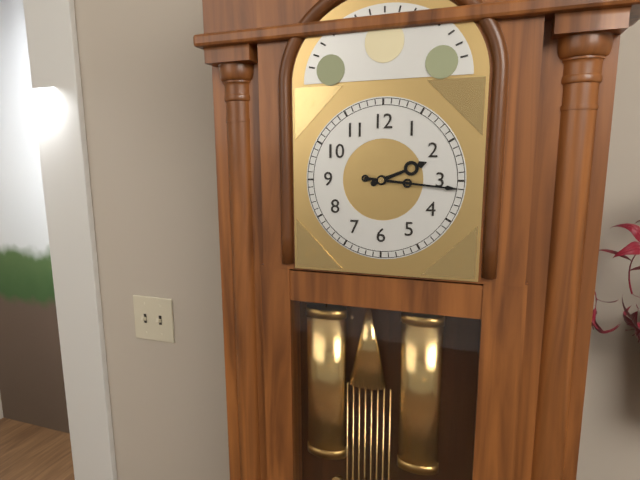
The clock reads {"hour": 2, "minute": 16}
